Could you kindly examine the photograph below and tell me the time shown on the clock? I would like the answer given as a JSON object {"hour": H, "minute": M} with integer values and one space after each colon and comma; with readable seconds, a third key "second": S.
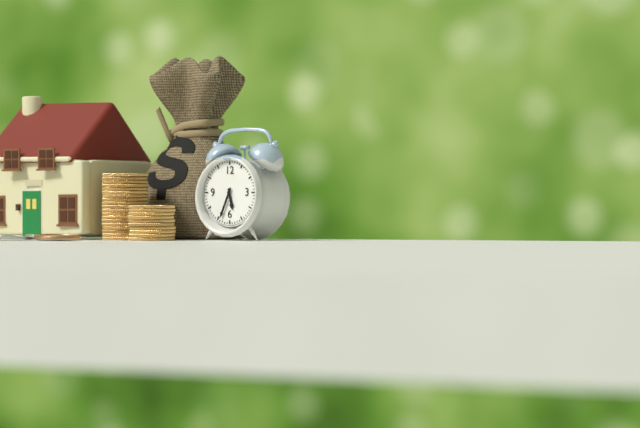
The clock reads {"hour": 5, "minute": 34}
